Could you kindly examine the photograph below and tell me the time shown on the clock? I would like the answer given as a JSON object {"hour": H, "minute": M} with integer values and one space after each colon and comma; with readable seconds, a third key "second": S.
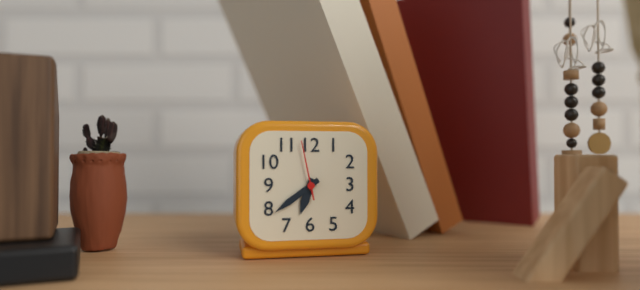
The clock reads {"hour": 6, "minute": 39, "second": 58}
